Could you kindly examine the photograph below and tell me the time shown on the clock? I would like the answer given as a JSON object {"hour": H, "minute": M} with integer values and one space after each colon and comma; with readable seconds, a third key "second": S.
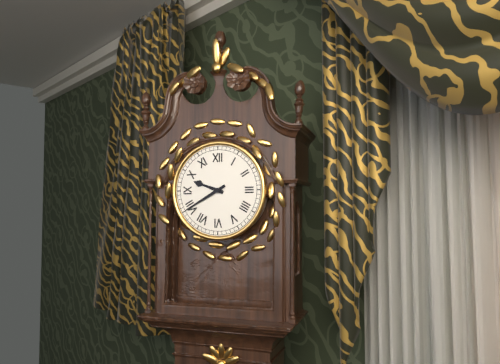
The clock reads {"hour": 9, "minute": 40}
